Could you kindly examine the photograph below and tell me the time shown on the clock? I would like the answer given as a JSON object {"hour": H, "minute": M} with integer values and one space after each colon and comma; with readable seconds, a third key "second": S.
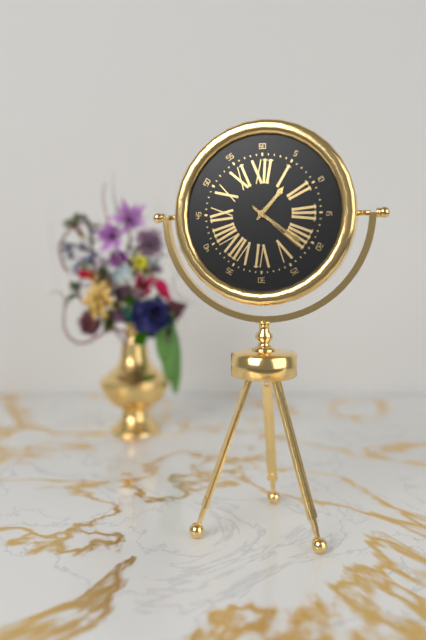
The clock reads {"hour": 1, "minute": 21, "second": 22}
